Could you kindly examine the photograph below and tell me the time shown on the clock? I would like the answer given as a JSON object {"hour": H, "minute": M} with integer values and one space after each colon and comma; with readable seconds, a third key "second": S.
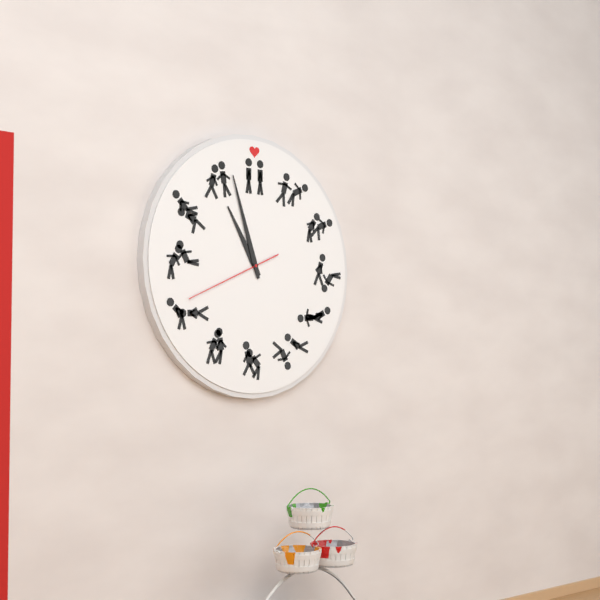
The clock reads {"hour": 10, "minute": 57, "second": 41}
